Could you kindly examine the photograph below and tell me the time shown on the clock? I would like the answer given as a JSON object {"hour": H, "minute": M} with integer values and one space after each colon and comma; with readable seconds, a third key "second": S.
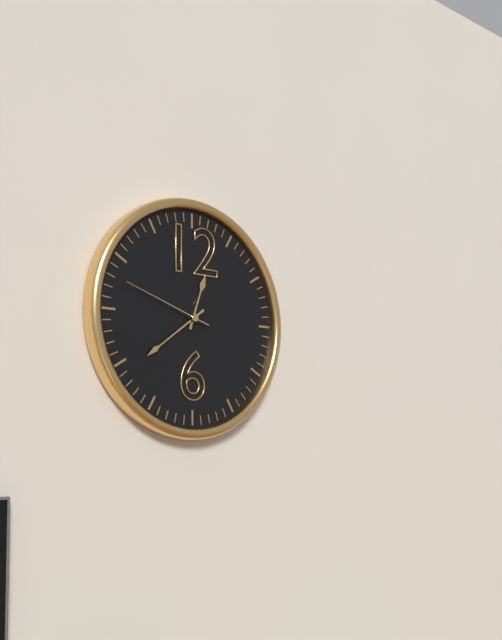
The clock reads {"hour": 12, "minute": 39, "second": 48}
